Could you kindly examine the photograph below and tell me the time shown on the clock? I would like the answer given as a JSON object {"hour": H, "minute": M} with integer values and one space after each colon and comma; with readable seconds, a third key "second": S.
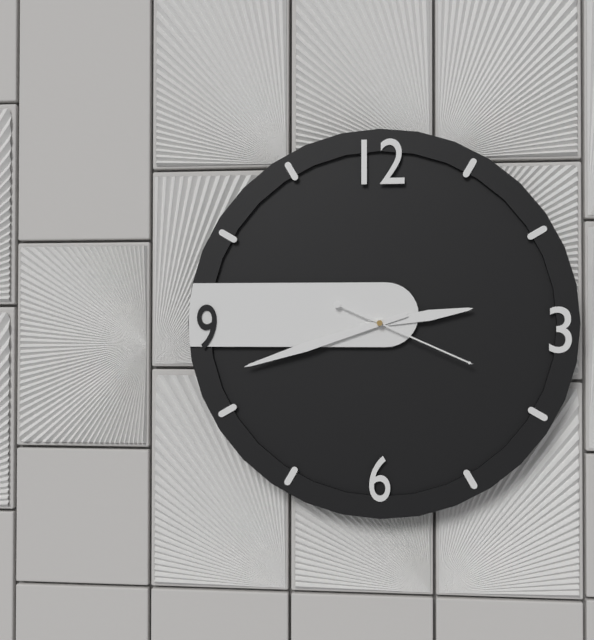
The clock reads {"hour": 2, "minute": 42, "second": 19}
